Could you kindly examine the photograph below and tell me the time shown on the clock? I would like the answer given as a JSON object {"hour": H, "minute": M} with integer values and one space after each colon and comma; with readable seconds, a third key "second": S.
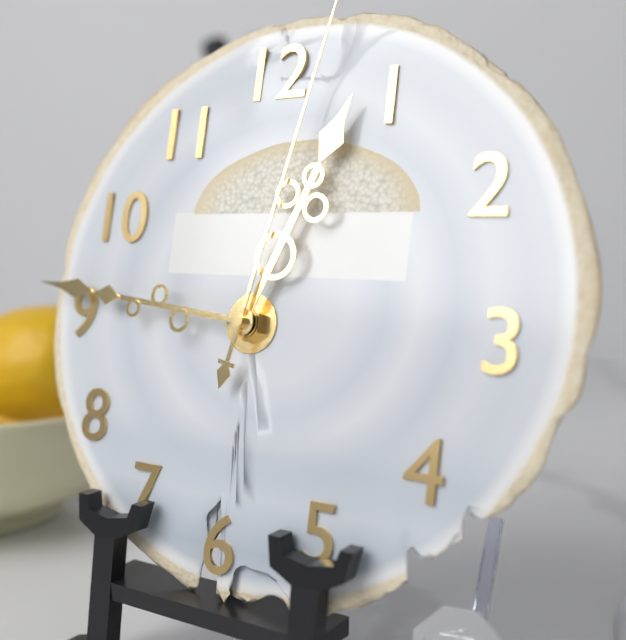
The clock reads {"hour": 12, "minute": 46}
